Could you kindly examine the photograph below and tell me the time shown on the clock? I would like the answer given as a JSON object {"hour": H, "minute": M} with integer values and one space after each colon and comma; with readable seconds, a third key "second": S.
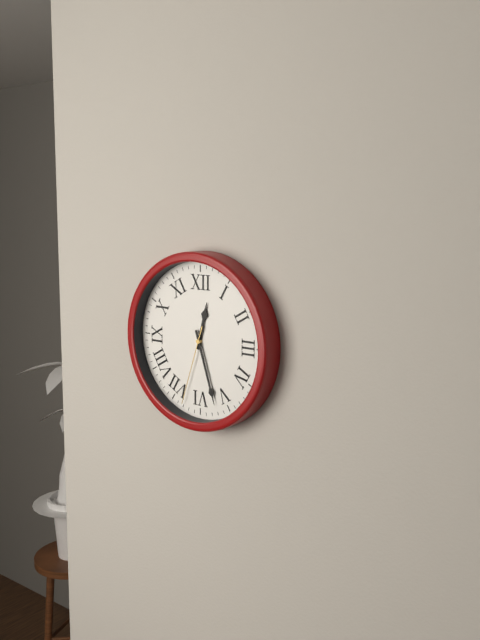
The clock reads {"hour": 12, "minute": 27, "second": 33}
